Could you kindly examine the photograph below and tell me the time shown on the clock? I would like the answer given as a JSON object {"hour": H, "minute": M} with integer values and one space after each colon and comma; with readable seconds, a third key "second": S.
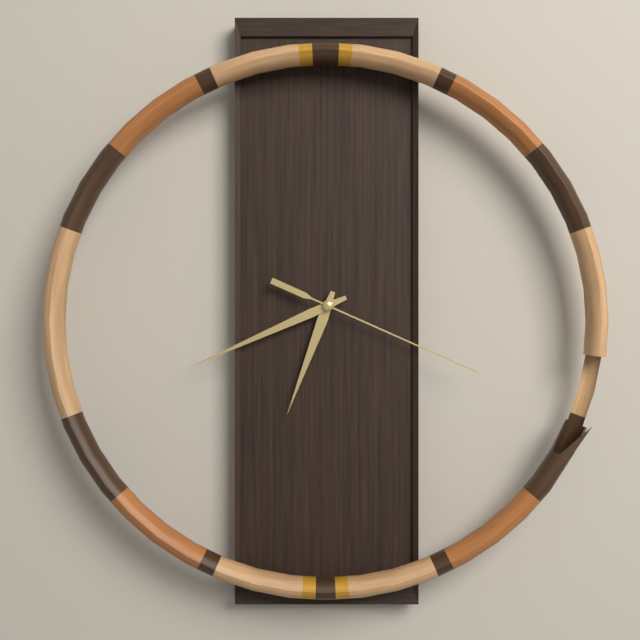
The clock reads {"hour": 6, "minute": 41, "second": 19}
